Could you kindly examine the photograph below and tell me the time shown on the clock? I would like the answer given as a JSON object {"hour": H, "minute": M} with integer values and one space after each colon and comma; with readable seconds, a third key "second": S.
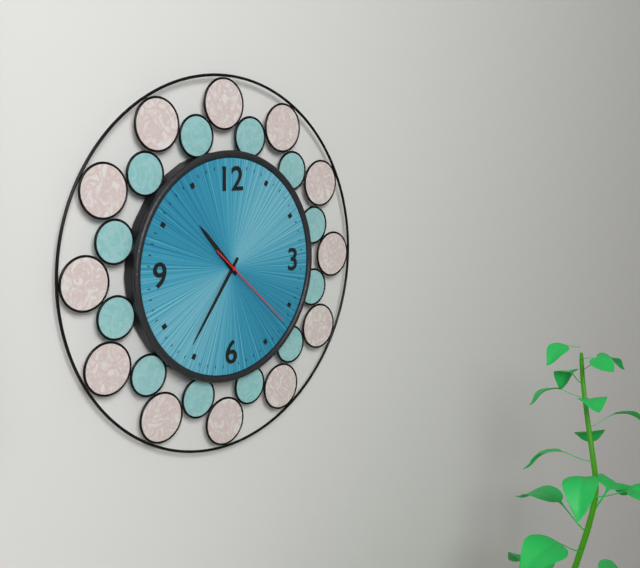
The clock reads {"hour": 10, "minute": 36, "second": 22}
